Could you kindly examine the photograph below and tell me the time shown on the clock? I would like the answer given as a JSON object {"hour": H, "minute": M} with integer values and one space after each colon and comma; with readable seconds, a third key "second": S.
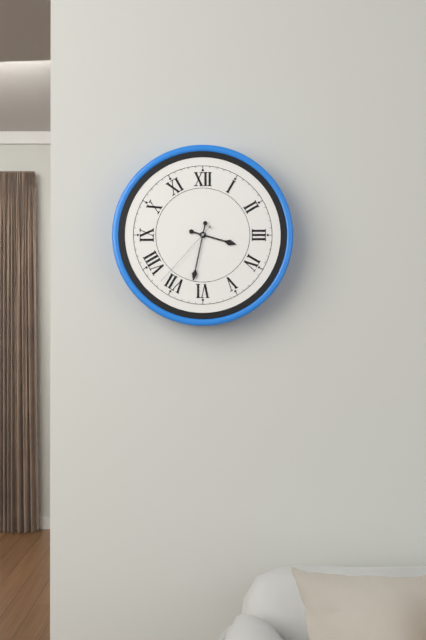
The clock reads {"hour": 3, "minute": 32, "second": 37}
